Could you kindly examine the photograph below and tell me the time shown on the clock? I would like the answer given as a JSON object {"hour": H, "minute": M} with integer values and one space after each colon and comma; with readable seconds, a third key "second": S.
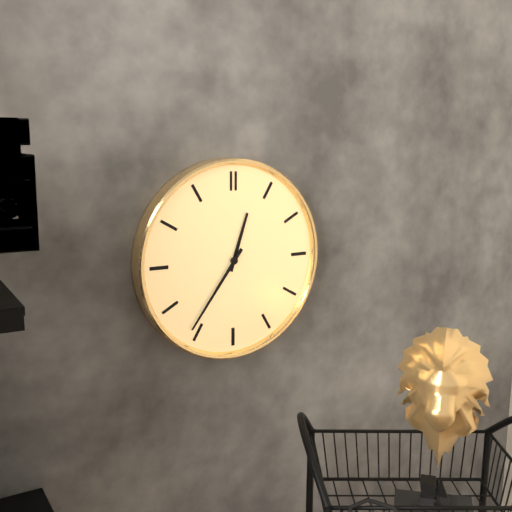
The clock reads {"hour": 12, "minute": 36}
